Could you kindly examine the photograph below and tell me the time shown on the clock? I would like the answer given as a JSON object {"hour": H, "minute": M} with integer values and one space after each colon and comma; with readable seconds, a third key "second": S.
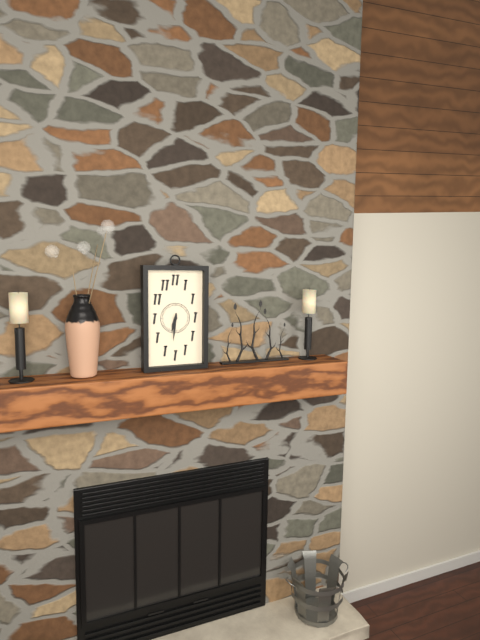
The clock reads {"hour": 6, "minute": 31}
